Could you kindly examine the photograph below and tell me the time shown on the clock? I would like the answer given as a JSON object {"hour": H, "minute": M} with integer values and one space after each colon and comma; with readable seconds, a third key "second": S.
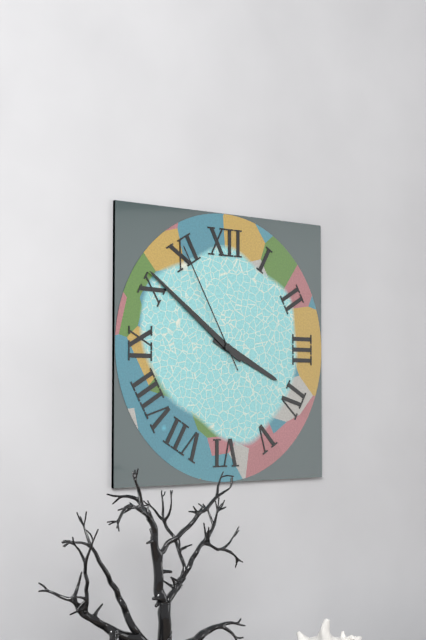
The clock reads {"hour": 3, "minute": 51, "second": 55}
